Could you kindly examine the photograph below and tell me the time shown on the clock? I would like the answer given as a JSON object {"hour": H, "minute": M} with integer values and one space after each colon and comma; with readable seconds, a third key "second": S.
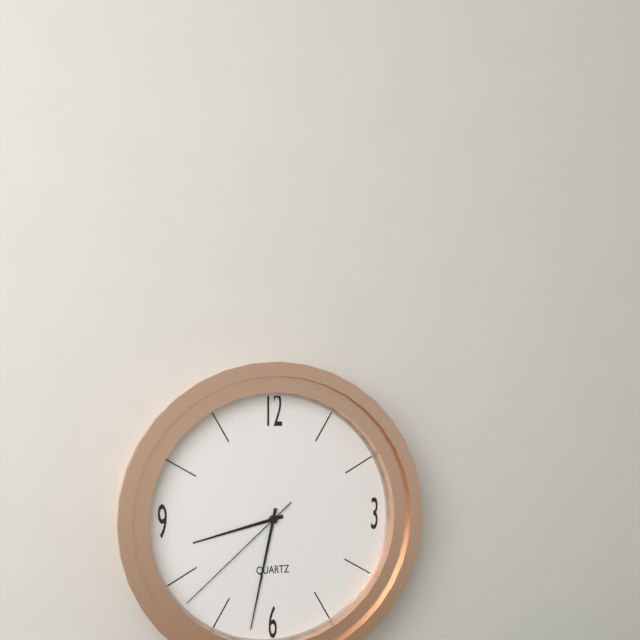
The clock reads {"hour": 8, "minute": 32, "second": 38}
